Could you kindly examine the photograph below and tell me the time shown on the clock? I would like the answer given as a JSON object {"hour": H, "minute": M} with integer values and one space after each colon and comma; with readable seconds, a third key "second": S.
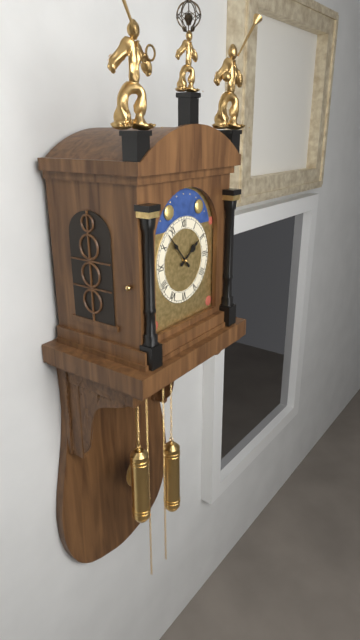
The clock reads {"hour": 1, "minute": 53}
